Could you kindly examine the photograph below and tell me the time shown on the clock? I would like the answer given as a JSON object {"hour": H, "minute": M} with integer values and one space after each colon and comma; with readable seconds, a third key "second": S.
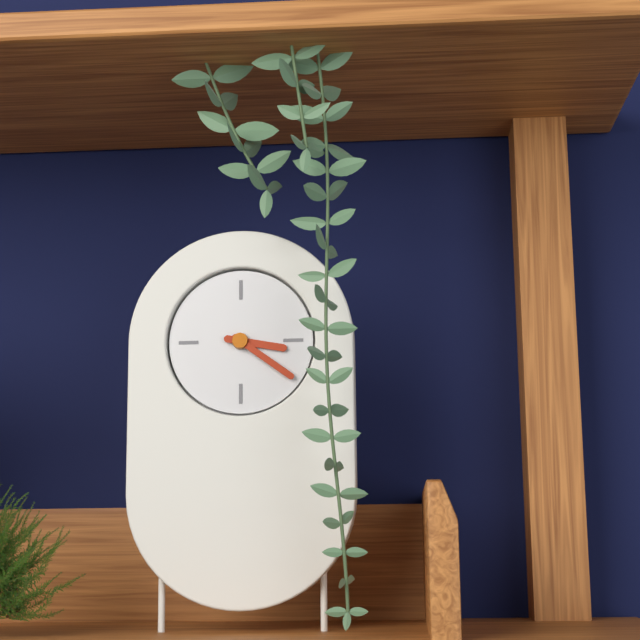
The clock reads {"hour": 3, "minute": 21}
